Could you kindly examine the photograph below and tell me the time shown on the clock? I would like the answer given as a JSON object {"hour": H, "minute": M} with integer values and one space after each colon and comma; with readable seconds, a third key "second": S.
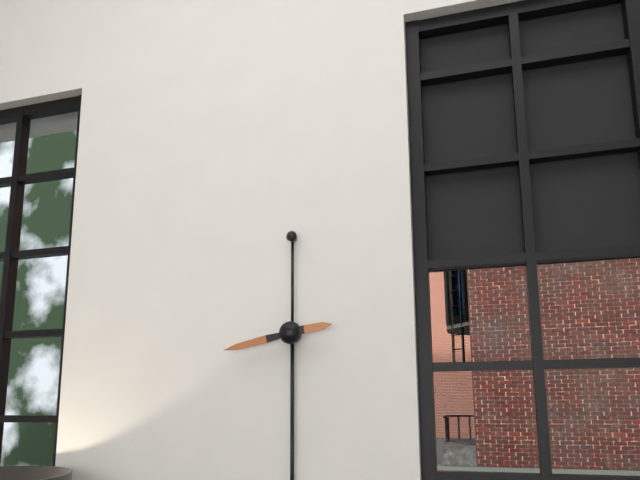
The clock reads {"hour": 2, "minute": 43}
